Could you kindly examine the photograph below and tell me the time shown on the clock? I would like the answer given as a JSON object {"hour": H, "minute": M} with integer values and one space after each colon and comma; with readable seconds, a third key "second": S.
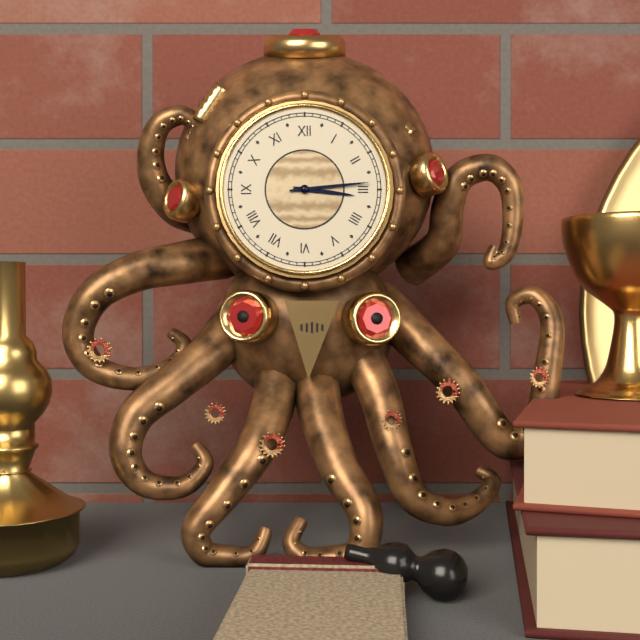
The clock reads {"hour": 3, "minute": 14}
